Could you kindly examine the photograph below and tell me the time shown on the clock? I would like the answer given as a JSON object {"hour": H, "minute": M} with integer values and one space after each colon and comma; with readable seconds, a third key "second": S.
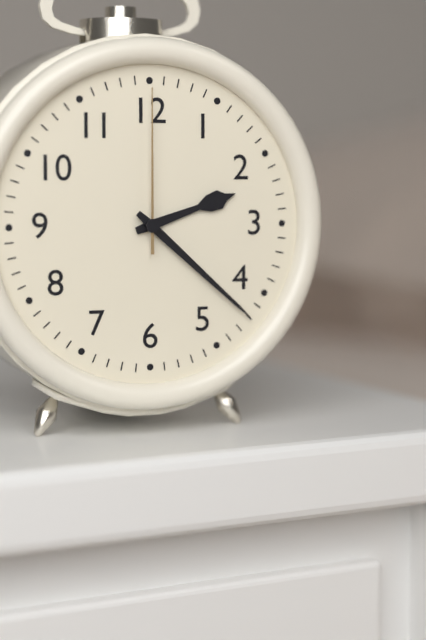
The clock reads {"hour": 2, "minute": 22, "second": 0}
